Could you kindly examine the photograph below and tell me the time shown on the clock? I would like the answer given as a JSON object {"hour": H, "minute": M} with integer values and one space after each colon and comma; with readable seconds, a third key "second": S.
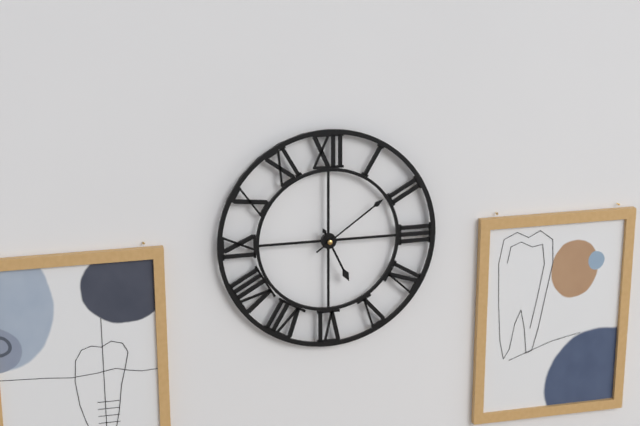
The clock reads {"hour": 5, "minute": 9}
